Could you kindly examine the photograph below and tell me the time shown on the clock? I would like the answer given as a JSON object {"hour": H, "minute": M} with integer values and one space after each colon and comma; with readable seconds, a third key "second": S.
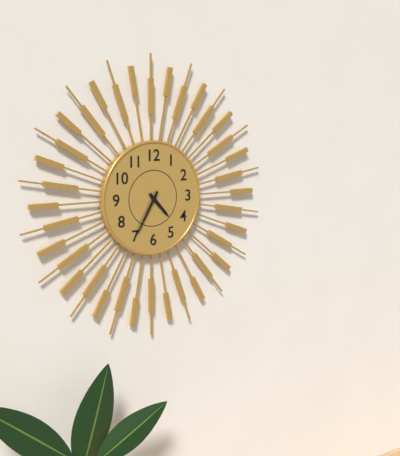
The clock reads {"hour": 4, "minute": 35}
